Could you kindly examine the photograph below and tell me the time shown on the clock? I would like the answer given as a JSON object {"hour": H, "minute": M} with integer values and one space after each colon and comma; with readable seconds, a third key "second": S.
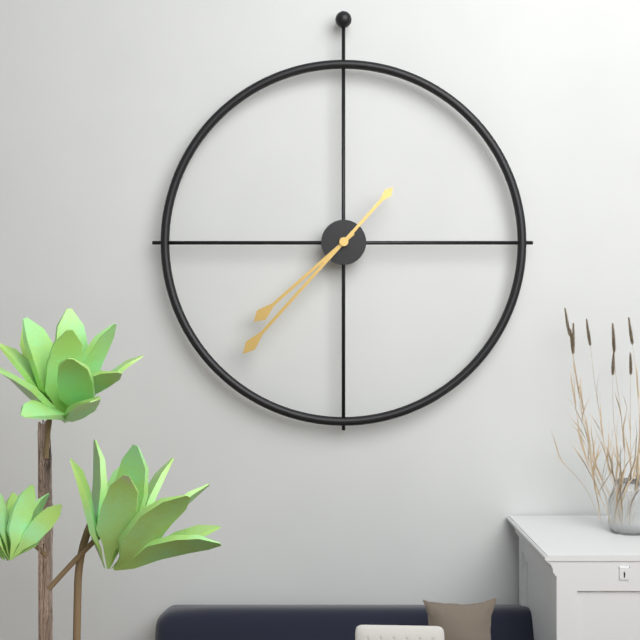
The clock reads {"hour": 7, "minute": 37}
